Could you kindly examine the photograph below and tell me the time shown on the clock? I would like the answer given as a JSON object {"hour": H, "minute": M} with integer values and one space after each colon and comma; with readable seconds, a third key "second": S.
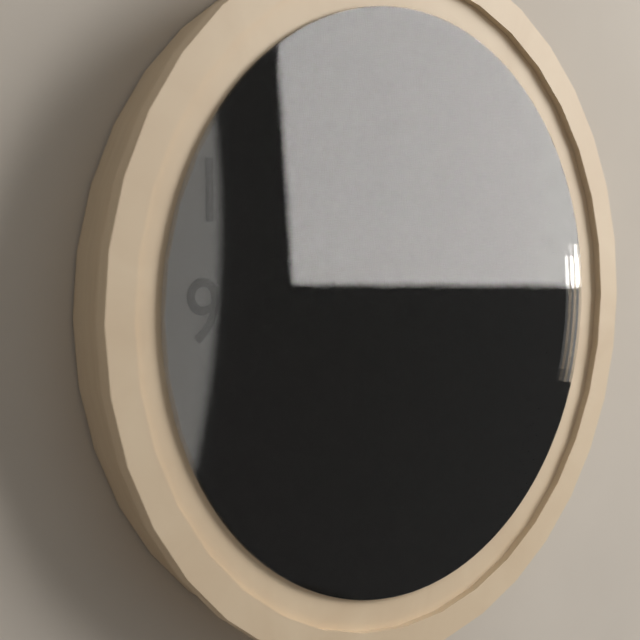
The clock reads {"hour": 6, "minute": 44}
